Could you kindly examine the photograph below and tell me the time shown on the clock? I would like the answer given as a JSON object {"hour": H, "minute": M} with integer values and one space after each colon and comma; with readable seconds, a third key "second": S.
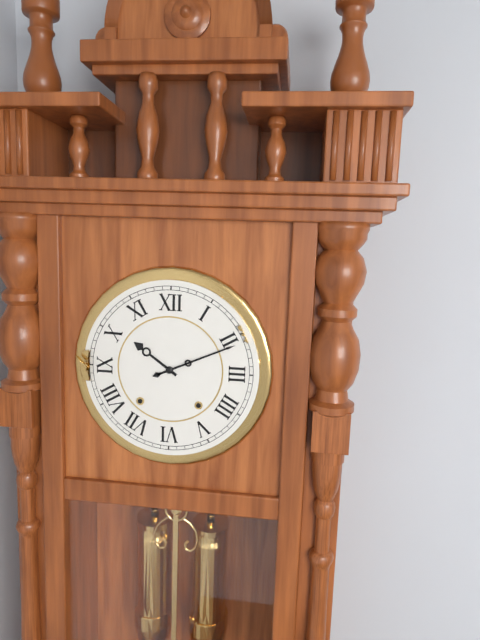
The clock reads {"hour": 10, "minute": 11}
